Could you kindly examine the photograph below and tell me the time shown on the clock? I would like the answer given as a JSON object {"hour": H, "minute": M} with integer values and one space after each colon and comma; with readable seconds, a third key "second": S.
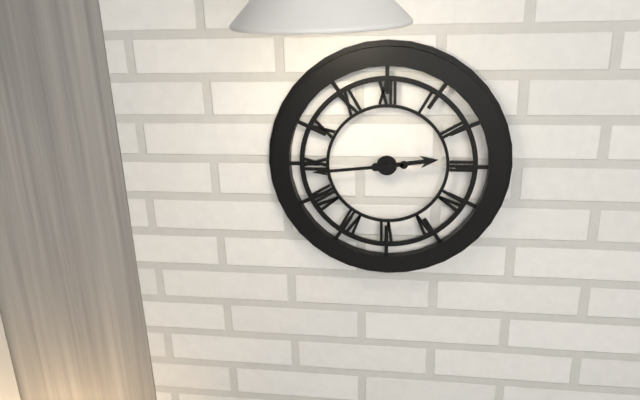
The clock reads {"hour": 2, "minute": 44}
